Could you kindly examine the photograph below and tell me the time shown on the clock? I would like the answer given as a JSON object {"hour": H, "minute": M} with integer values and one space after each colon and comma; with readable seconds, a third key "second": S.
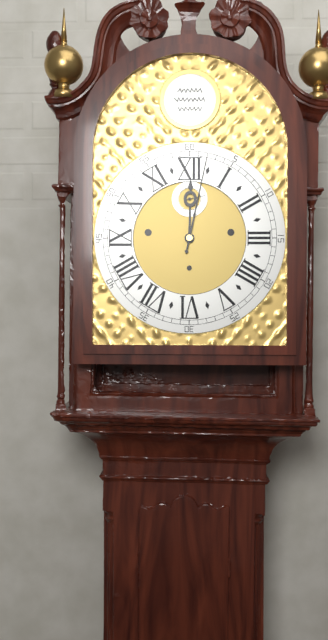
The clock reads {"hour": 12, "minute": 2}
